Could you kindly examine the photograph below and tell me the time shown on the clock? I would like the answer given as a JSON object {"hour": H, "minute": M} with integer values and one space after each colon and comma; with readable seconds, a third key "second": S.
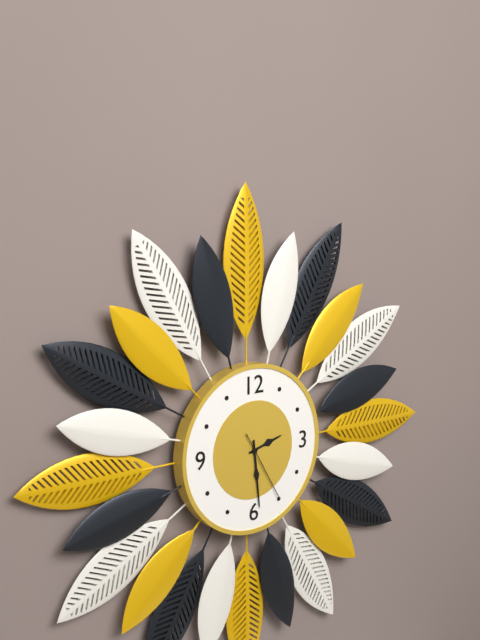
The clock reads {"hour": 2, "minute": 29, "second": 25}
